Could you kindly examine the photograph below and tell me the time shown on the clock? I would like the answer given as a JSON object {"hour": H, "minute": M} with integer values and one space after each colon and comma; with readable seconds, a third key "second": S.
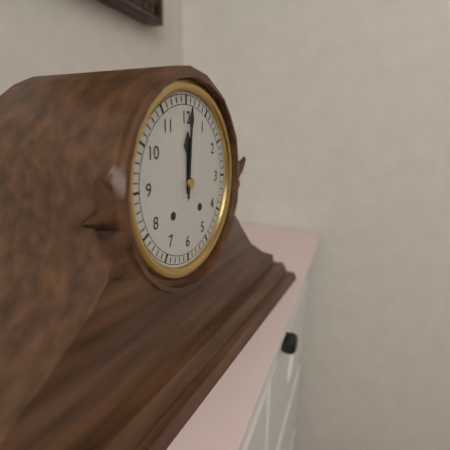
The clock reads {"hour": 12, "minute": 1}
